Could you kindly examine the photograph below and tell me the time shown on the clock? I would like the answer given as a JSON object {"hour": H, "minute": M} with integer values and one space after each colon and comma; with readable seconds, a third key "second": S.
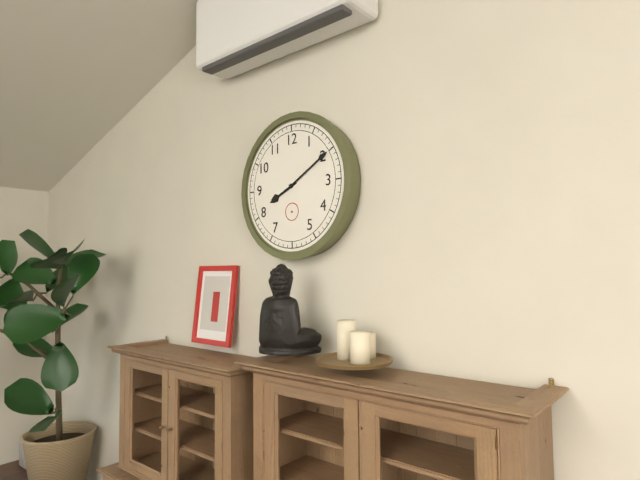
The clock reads {"hour": 8, "minute": 10}
